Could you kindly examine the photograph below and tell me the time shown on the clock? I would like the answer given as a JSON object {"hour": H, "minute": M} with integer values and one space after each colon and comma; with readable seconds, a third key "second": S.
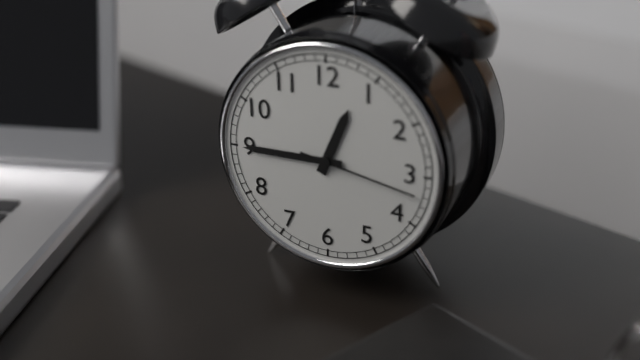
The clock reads {"hour": 12, "minute": 45, "second": 17}
